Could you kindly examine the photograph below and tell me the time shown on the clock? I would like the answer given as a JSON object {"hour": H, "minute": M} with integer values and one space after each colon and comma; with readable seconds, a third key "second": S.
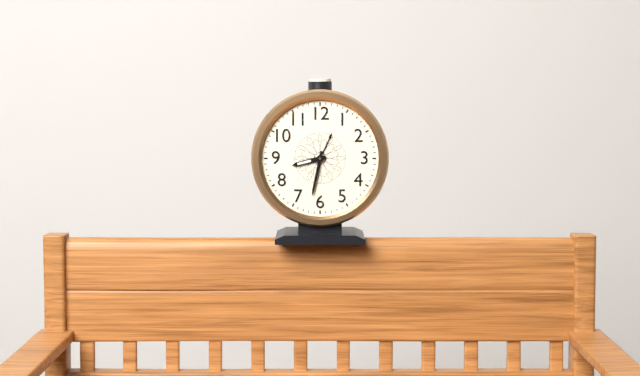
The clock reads {"hour": 8, "minute": 32}
